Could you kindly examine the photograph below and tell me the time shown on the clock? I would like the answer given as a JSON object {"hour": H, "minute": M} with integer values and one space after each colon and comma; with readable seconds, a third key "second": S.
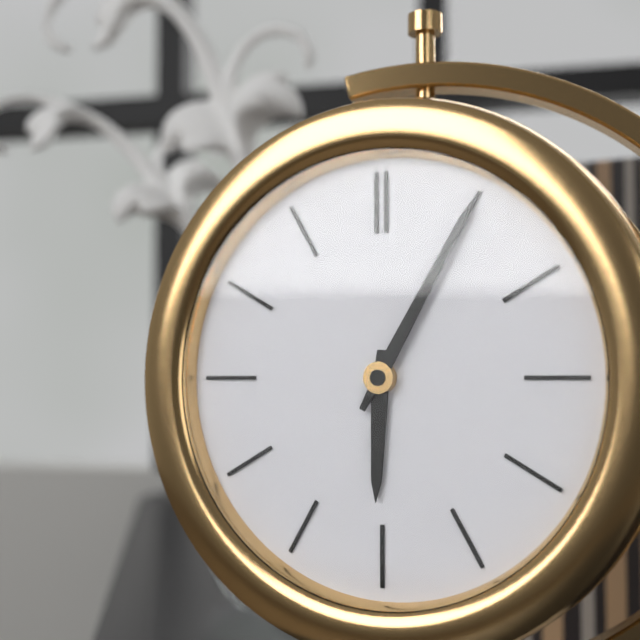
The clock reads {"hour": 6, "minute": 5}
